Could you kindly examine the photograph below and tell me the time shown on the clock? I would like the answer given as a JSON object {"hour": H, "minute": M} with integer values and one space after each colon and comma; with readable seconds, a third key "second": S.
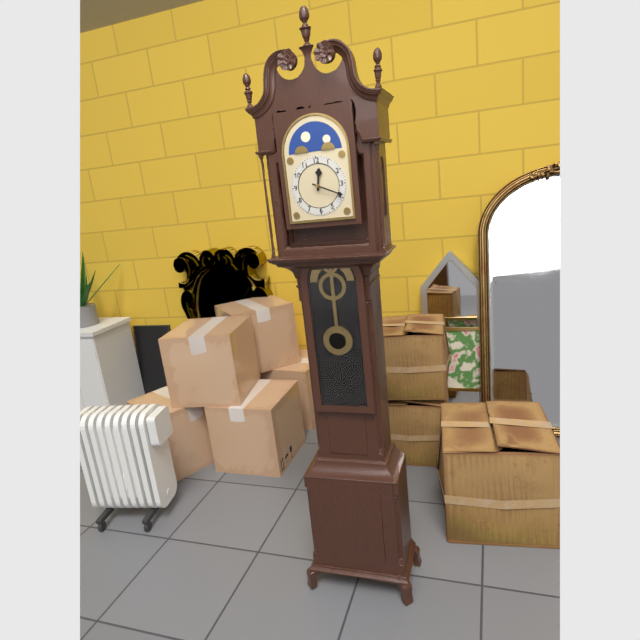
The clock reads {"hour": 12, "minute": 19}
